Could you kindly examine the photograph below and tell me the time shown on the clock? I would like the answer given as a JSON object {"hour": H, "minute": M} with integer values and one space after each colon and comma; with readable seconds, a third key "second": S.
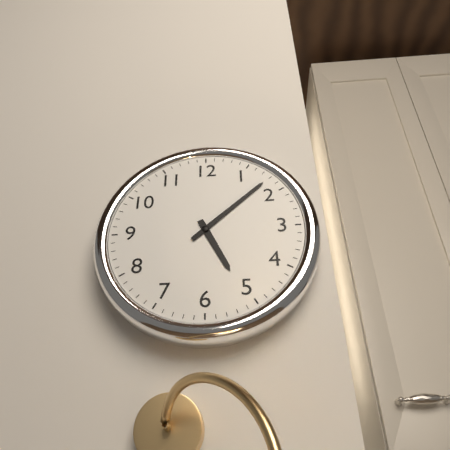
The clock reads {"hour": 5, "minute": 8}
